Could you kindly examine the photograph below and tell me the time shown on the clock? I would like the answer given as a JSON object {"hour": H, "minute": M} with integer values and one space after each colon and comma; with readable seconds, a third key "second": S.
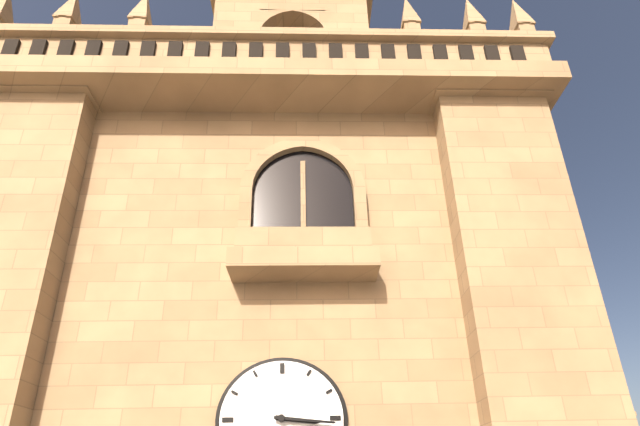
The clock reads {"hour": 3, "minute": 16}
